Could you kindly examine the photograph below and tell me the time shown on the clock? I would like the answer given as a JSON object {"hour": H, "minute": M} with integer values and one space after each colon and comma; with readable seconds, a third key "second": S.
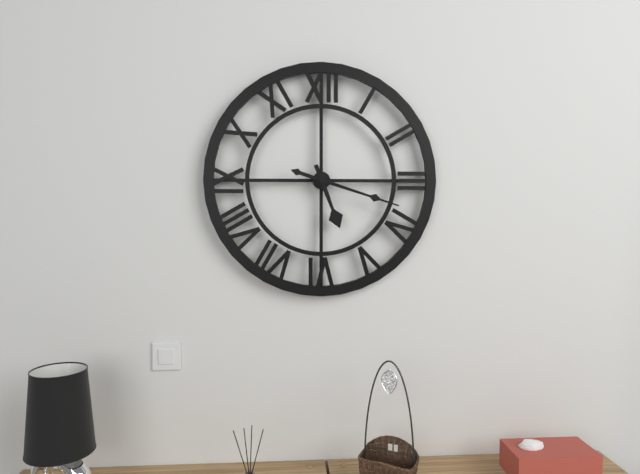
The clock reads {"hour": 5, "minute": 18}
